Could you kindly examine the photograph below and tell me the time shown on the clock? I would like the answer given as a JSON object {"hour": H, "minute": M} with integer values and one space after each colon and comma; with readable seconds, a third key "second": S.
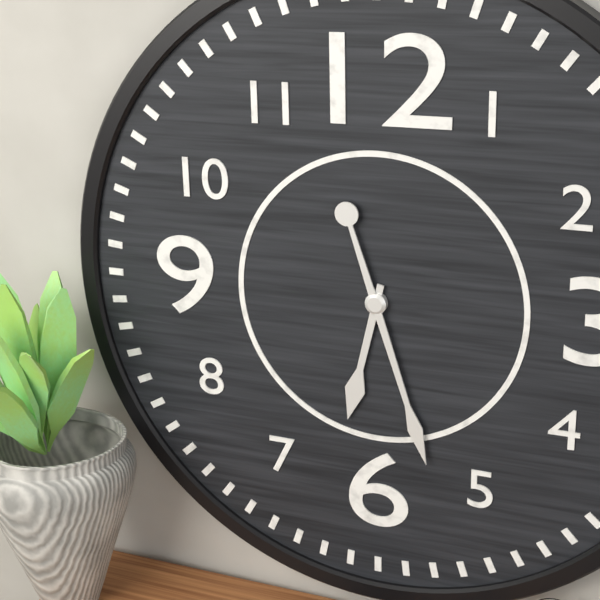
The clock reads {"hour": 6, "minute": 27}
